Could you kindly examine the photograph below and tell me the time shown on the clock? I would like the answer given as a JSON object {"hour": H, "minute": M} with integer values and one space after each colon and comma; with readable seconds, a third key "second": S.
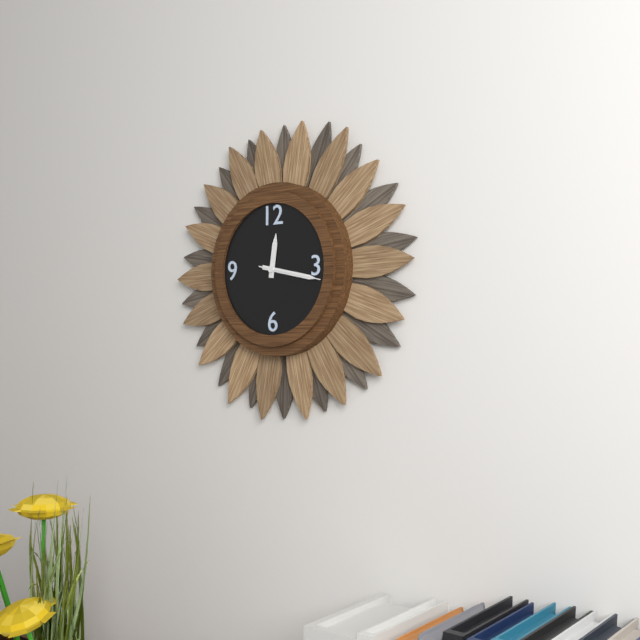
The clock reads {"hour": 12, "minute": 17}
